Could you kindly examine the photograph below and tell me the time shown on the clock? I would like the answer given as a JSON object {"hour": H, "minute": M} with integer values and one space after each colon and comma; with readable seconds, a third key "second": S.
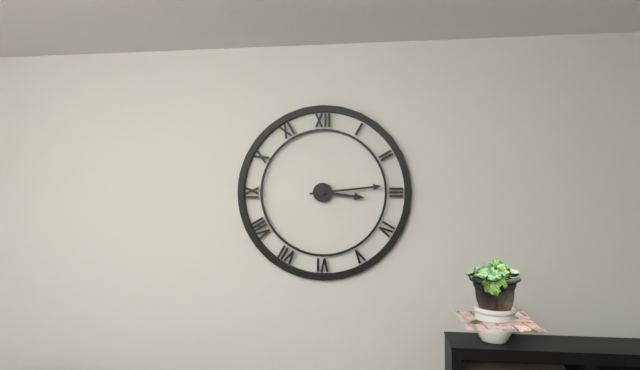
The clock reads {"hour": 3, "minute": 14}
